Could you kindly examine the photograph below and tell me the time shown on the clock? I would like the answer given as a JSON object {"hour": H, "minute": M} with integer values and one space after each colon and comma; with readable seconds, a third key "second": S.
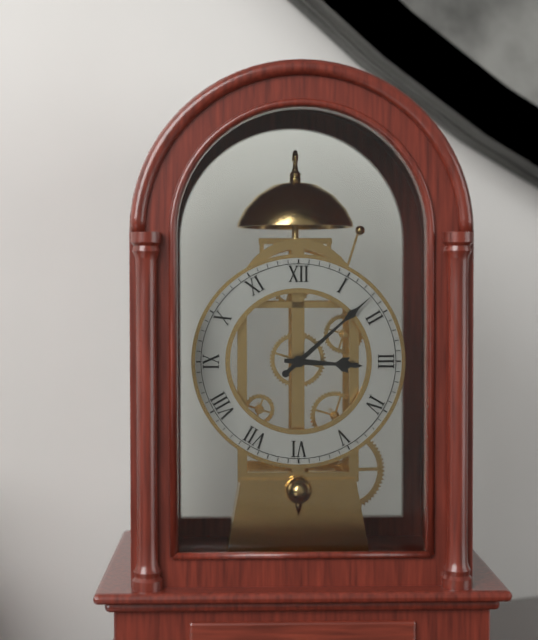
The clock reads {"hour": 3, "minute": 8}
